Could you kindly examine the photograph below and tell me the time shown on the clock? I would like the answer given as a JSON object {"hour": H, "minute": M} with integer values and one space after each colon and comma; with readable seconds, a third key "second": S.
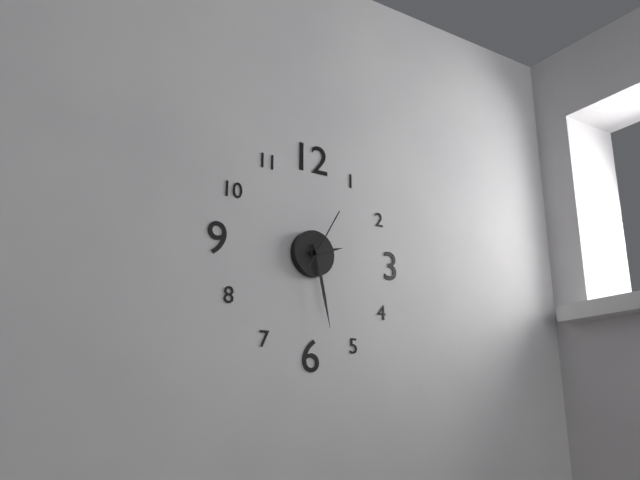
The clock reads {"hour": 2, "minute": 28, "second": 5}
